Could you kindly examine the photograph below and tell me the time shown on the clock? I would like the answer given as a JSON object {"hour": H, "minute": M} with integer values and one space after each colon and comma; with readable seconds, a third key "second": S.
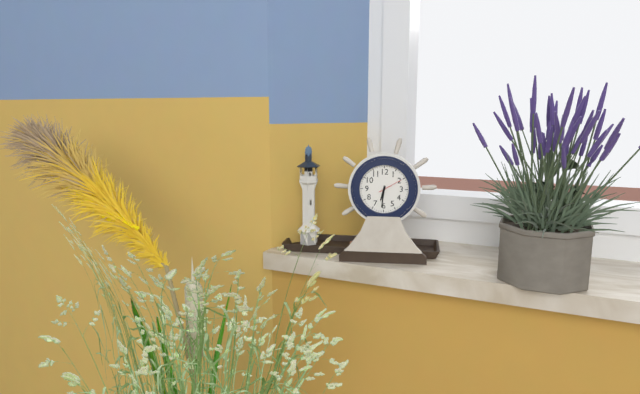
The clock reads {"hour": 6, "minute": 31}
